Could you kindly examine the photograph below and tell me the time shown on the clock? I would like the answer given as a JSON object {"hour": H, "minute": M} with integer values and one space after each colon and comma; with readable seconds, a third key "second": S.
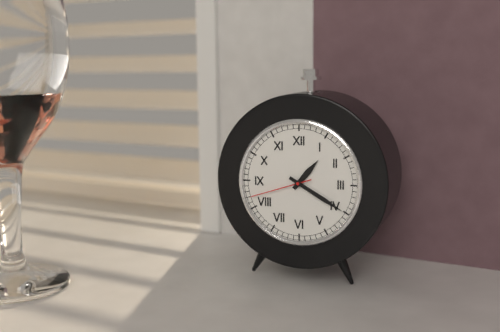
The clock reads {"hour": 1, "minute": 20, "second": 42}
